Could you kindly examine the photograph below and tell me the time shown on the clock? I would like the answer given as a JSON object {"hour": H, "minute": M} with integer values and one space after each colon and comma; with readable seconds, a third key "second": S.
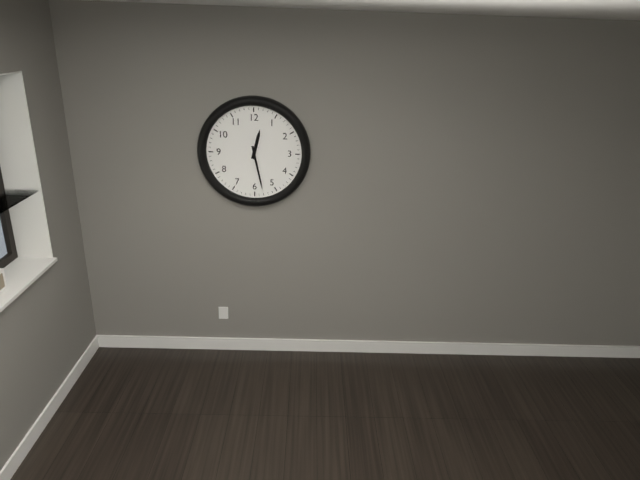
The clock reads {"hour": 12, "minute": 28}
